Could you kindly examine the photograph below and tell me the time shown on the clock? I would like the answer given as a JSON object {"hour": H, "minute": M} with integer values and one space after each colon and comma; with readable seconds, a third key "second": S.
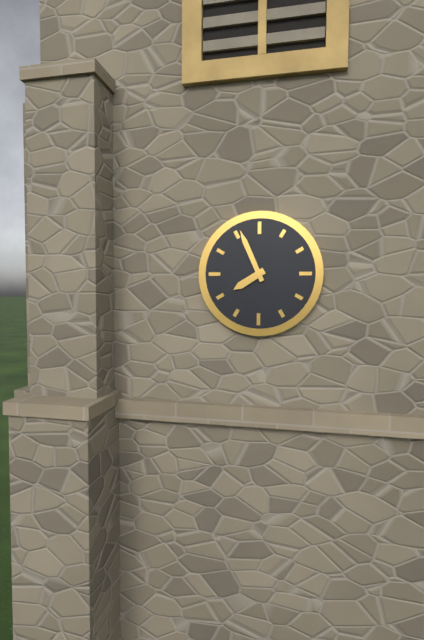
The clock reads {"hour": 7, "minute": 56}
